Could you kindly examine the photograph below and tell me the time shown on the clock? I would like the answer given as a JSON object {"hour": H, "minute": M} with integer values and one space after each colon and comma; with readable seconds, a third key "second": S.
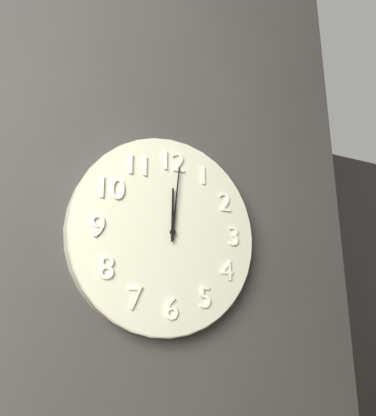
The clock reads {"hour": 12, "minute": 1}
